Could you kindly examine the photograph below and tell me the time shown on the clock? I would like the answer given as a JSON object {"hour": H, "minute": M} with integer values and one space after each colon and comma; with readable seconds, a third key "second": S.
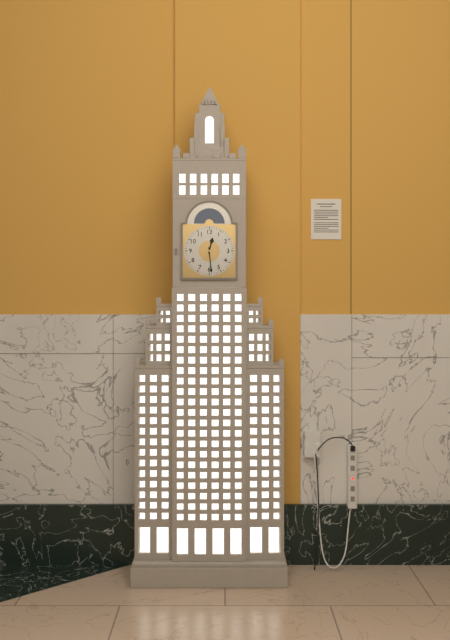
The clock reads {"hour": 12, "minute": 29}
